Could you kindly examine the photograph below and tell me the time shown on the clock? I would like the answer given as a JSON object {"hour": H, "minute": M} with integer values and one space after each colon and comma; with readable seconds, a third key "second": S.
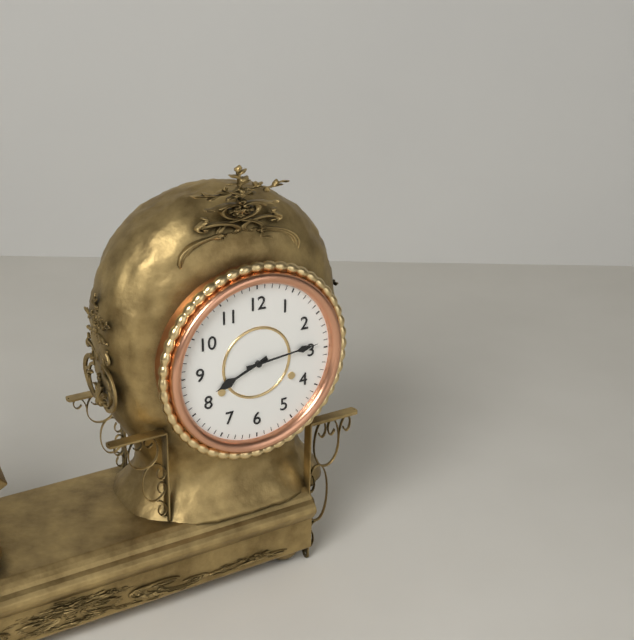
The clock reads {"hour": 8, "minute": 14}
